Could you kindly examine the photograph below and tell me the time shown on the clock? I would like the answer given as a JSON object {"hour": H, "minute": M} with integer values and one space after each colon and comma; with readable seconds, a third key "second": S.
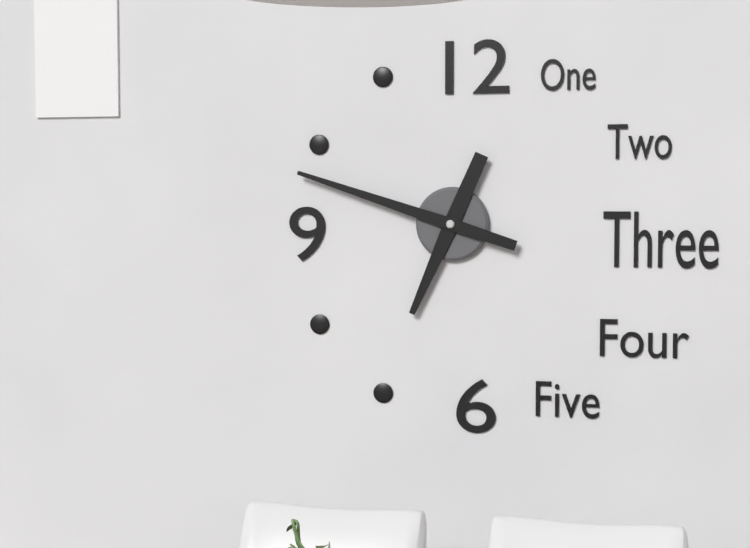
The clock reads {"hour": 6, "minute": 48}
